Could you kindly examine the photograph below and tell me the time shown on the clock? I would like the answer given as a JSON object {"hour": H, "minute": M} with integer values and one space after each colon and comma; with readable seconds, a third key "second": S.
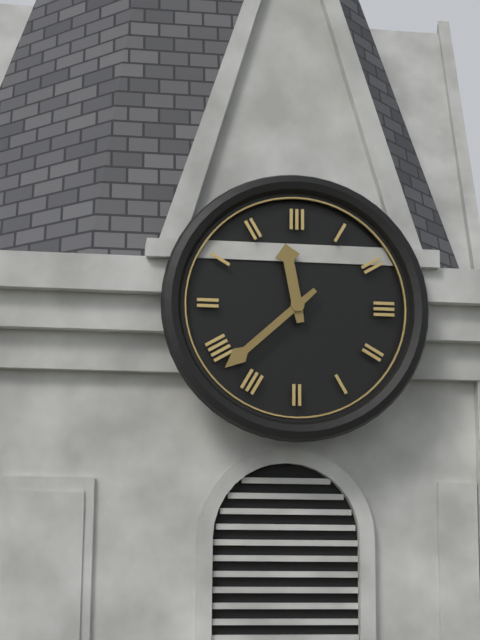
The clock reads {"hour": 11, "minute": 38}
